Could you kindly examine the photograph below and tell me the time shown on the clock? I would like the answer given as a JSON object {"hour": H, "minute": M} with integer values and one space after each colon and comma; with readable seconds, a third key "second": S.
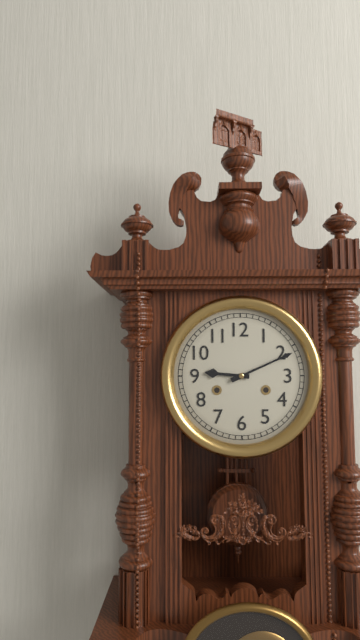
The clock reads {"hour": 9, "minute": 11}
